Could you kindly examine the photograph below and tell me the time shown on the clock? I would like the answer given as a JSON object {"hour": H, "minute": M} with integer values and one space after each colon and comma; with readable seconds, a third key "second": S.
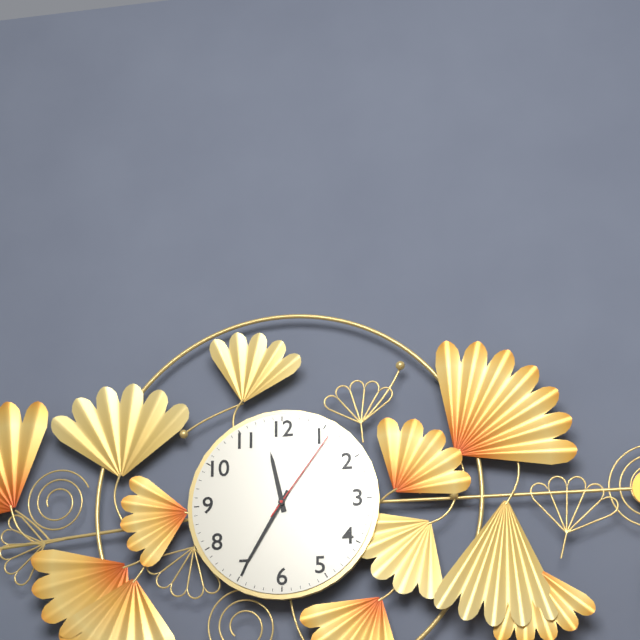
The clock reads {"hour": 11, "minute": 35, "second": 6}
